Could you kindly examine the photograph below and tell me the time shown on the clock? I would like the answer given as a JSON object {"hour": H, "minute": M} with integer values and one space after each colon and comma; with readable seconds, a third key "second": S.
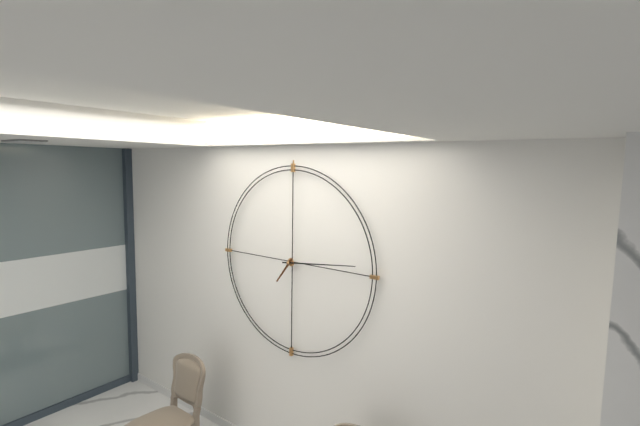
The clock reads {"hour": 7, "minute": 14}
